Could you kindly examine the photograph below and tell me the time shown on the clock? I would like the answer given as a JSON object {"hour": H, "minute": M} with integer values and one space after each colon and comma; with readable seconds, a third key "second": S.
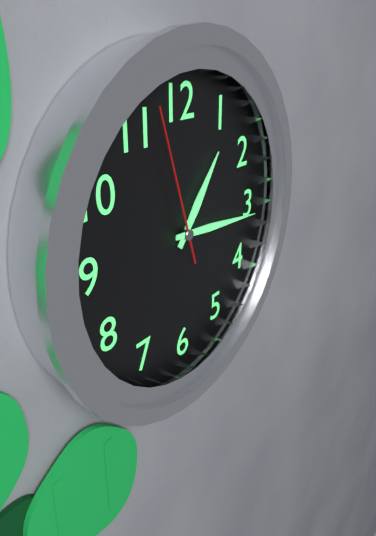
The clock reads {"hour": 1, "minute": 16, "second": 57}
